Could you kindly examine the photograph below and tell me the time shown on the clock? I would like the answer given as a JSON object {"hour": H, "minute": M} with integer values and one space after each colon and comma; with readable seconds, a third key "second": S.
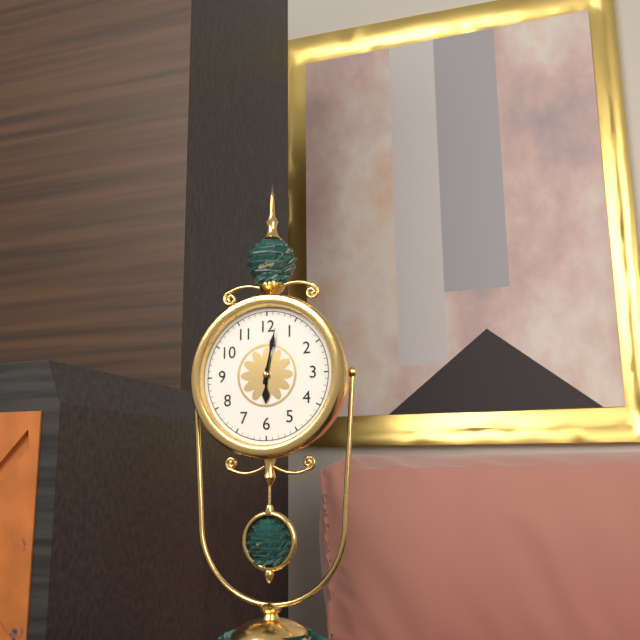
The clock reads {"hour": 6, "minute": 2}
